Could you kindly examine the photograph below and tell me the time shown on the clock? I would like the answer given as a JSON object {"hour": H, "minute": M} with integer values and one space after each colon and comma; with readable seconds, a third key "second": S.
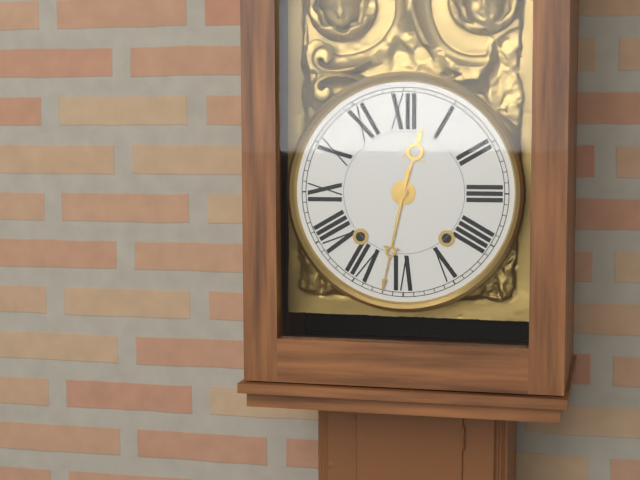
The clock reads {"hour": 12, "minute": 32}
